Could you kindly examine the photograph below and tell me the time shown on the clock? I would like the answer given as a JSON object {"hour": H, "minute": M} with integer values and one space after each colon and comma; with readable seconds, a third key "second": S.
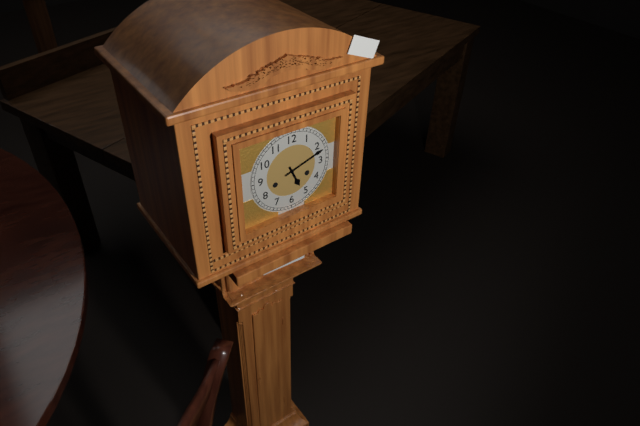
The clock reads {"hour": 5, "minute": 12}
